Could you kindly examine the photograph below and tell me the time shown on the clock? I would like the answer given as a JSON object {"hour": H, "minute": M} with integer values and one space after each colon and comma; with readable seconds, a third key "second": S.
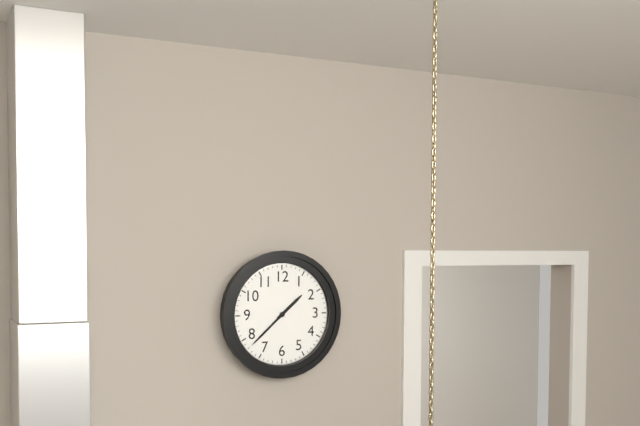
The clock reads {"hour": 1, "minute": 38}
